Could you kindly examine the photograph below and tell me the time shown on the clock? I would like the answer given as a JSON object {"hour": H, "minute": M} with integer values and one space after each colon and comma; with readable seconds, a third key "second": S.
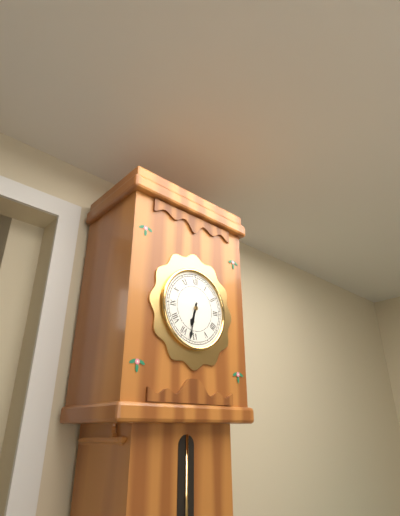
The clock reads {"hour": 6, "minute": 32}
